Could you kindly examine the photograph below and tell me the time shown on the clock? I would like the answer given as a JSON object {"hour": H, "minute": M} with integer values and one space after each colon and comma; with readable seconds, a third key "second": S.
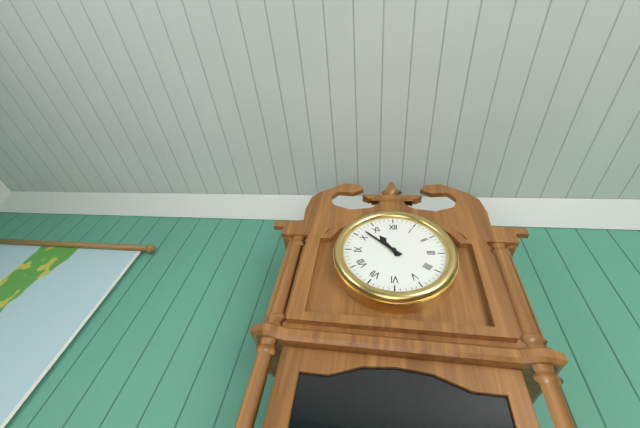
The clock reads {"hour": 10, "minute": 52}
